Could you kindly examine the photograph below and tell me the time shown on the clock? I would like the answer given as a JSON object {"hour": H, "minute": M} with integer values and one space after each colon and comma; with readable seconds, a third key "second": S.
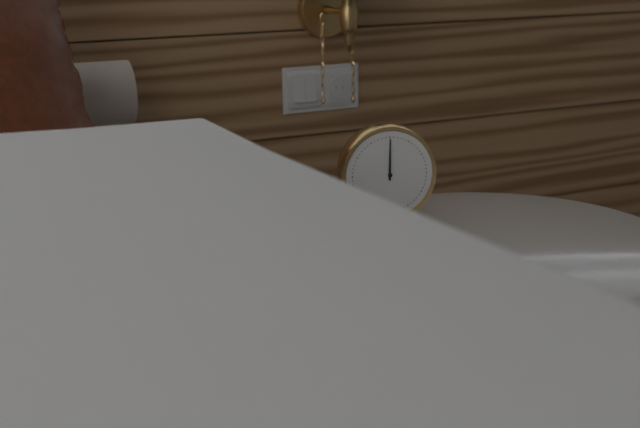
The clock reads {"hour": 12, "minute": 0}
